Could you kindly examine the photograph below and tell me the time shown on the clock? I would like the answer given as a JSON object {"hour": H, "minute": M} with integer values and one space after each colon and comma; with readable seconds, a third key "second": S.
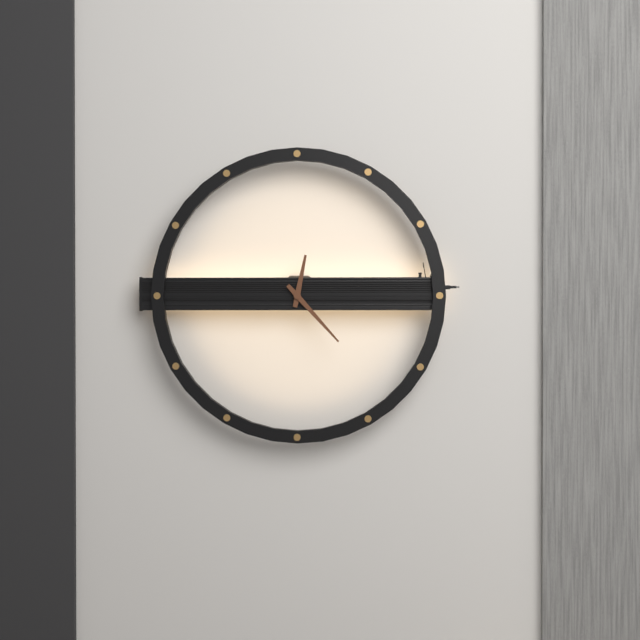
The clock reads {"hour": 12, "minute": 23}
